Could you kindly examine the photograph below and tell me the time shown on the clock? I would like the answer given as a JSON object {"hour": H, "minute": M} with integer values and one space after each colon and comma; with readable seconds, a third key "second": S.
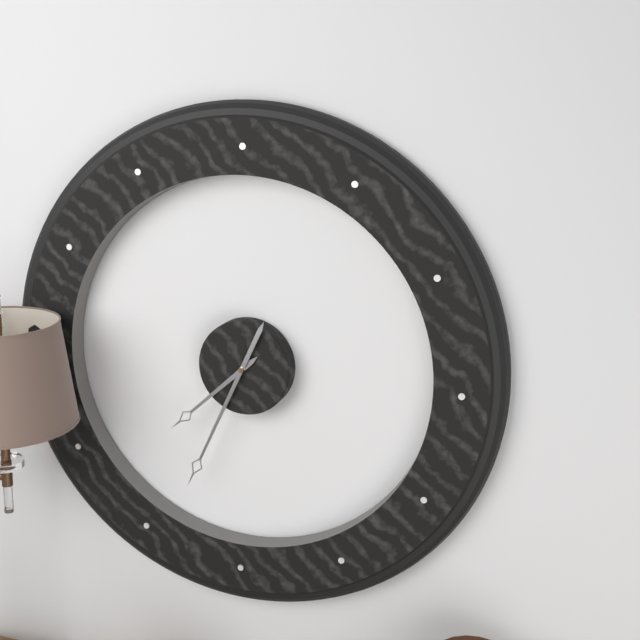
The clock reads {"hour": 7, "minute": 34}
